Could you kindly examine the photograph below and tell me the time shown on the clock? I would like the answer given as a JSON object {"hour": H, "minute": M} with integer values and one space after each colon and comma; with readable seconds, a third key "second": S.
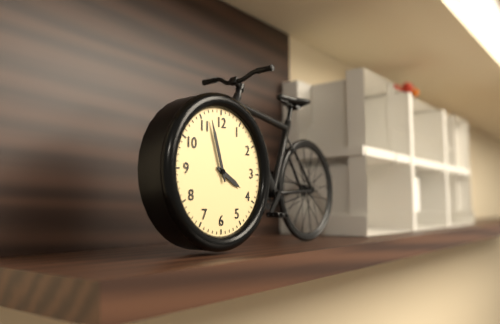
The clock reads {"hour": 3, "minute": 57}
